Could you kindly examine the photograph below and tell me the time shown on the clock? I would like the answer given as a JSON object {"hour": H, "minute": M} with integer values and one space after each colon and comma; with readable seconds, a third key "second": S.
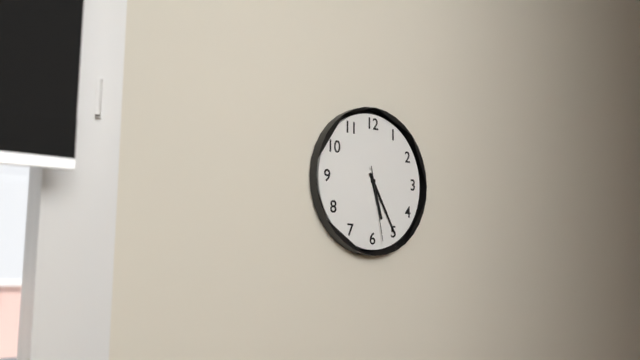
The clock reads {"hour": 5, "minute": 25, "second": 28}
